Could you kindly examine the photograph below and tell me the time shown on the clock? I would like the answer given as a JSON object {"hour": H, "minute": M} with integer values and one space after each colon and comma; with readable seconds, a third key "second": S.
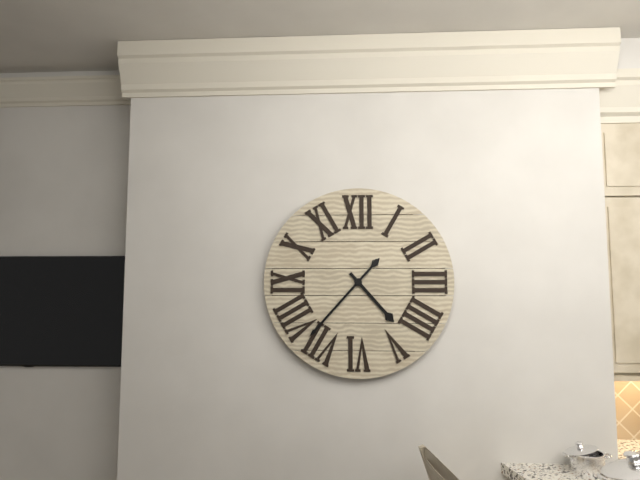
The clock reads {"hour": 4, "minute": 37}
